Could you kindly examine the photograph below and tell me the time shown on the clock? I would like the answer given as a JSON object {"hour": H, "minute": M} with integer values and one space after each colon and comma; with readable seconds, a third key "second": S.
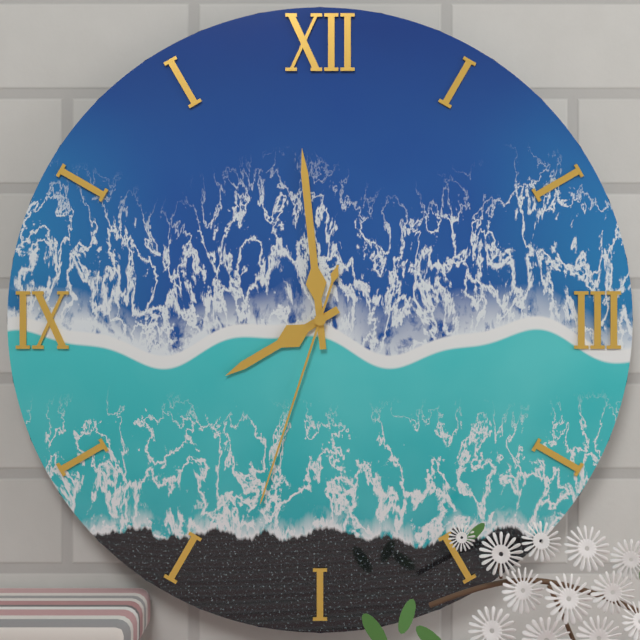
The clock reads {"hour": 7, "minute": 59, "second": 33}
